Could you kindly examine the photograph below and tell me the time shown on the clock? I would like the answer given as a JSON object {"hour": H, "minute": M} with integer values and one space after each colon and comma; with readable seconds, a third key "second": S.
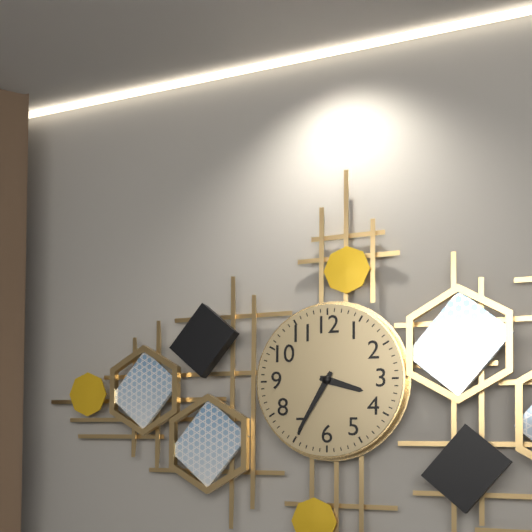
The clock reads {"hour": 3, "minute": 35}
